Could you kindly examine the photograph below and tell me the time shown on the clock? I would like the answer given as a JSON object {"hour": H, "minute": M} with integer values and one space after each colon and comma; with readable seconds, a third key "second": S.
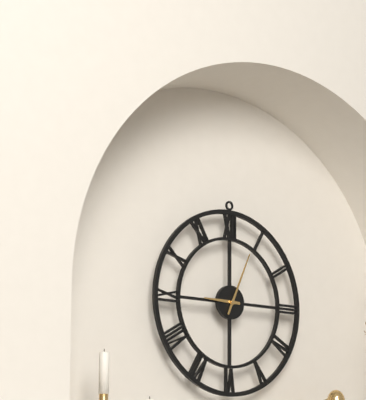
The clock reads {"hour": 9, "minute": 4}
